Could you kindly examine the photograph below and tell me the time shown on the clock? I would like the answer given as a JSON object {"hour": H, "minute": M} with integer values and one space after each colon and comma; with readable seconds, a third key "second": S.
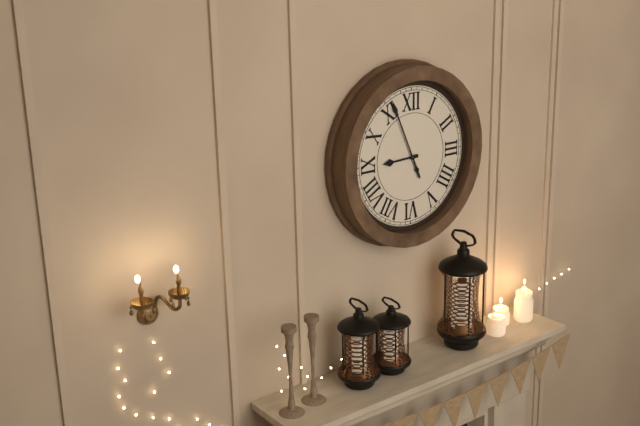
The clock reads {"hour": 8, "minute": 56}
